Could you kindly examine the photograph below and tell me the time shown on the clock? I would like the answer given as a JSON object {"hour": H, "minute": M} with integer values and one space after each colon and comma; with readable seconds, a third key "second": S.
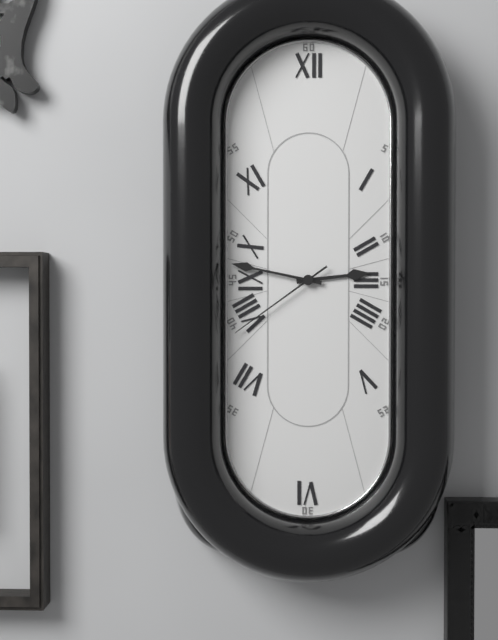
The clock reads {"hour": 2, "minute": 47, "second": 39}
